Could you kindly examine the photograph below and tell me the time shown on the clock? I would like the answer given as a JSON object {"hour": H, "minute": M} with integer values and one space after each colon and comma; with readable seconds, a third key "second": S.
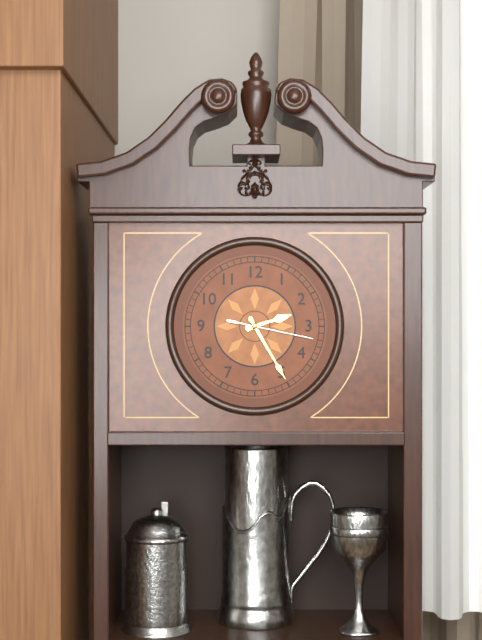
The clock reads {"hour": 2, "minute": 25, "second": 17}
